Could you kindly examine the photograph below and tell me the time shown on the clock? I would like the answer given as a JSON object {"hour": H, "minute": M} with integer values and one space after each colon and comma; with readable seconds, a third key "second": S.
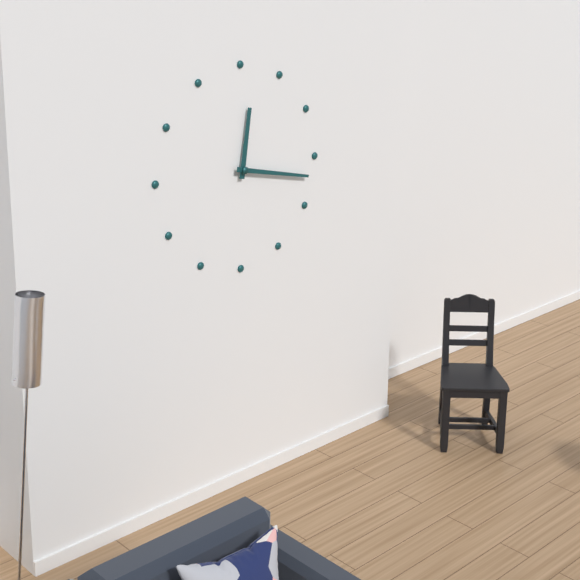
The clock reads {"hour": 12, "minute": 17}
